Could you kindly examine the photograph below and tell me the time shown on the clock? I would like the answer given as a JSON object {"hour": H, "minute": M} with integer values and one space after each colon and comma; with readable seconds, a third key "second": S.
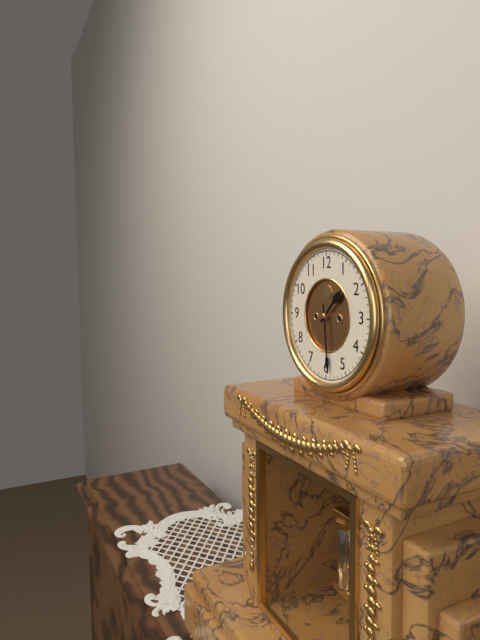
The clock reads {"hour": 1, "minute": 29}
